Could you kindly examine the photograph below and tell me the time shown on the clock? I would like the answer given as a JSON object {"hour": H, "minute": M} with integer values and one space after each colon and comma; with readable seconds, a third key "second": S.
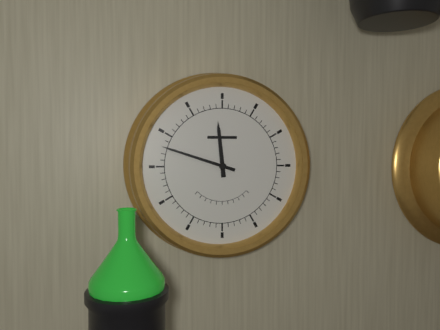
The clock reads {"hour": 11, "minute": 48}
